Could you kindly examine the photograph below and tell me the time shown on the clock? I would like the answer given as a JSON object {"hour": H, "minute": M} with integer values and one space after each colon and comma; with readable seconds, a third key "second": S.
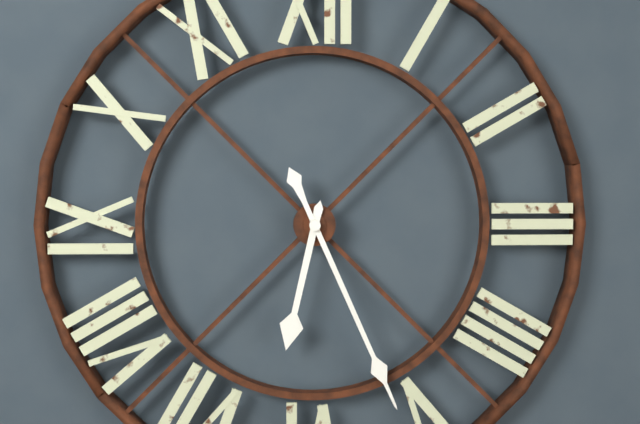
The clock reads {"hour": 6, "minute": 26}
